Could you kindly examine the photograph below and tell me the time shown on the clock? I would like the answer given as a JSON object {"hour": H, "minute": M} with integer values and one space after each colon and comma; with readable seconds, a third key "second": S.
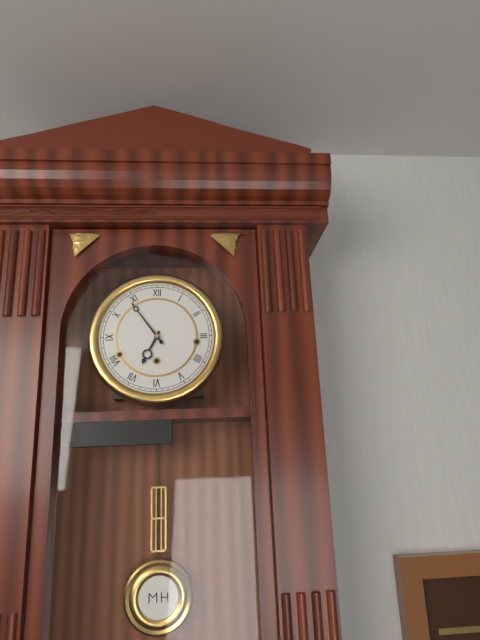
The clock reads {"hour": 6, "minute": 54}
